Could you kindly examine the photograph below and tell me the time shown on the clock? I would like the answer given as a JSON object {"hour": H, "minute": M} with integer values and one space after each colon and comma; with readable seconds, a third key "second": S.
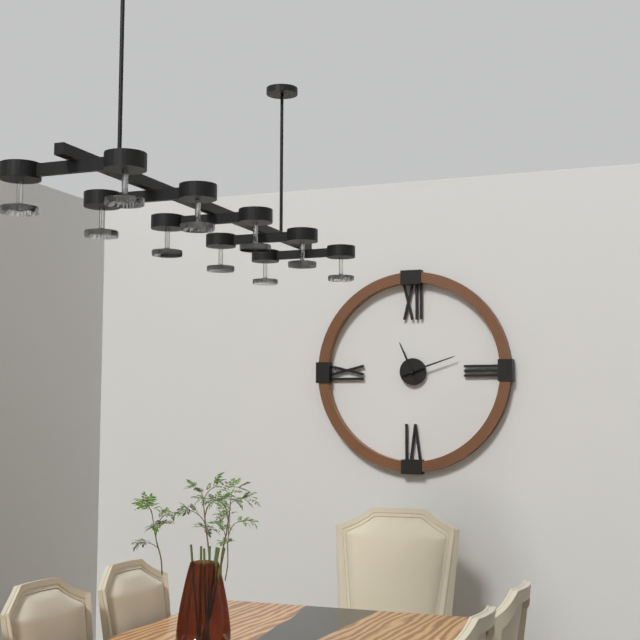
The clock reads {"hour": 11, "minute": 12}
